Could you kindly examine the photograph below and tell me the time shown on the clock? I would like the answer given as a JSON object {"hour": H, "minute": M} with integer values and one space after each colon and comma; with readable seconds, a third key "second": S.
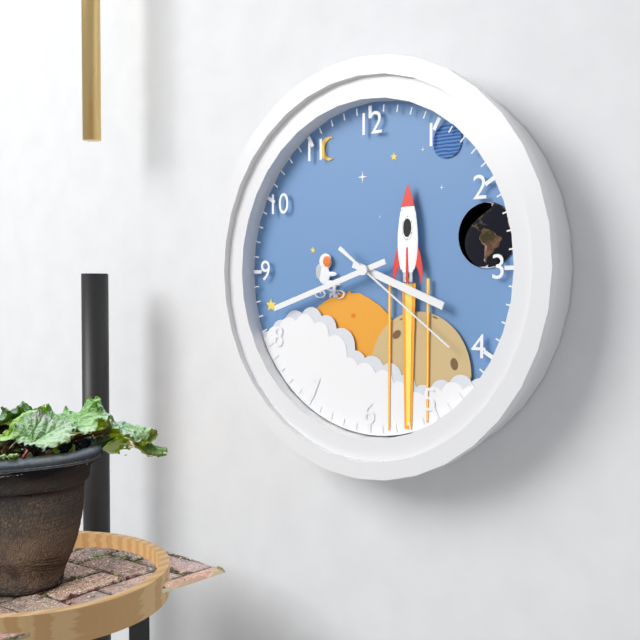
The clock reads {"hour": 3, "minute": 42, "second": 21}
